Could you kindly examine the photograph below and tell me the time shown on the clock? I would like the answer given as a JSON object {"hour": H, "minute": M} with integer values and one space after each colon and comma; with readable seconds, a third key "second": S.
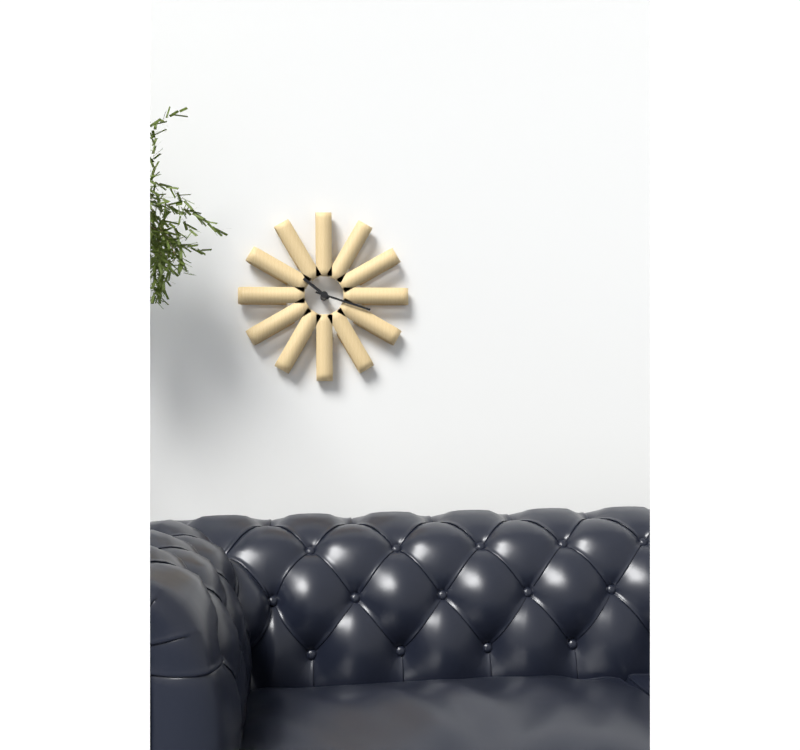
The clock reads {"hour": 10, "minute": 18}
